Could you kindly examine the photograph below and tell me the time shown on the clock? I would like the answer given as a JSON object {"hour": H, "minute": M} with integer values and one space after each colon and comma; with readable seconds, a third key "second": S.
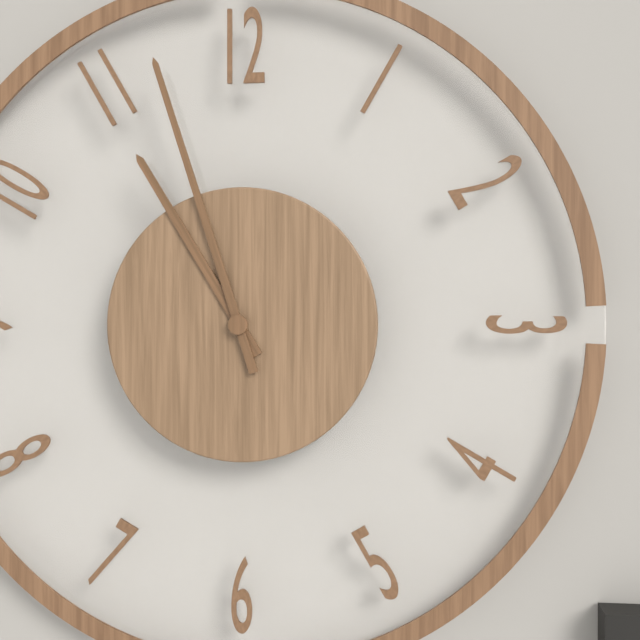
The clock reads {"hour": 10, "minute": 57}
